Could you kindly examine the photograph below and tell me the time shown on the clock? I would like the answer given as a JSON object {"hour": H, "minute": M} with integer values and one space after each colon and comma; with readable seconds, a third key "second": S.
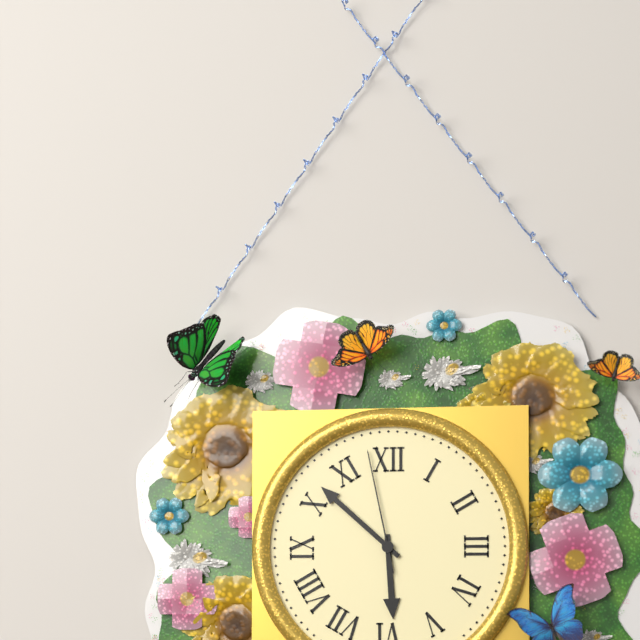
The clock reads {"hour": 5, "minute": 52, "second": 58}
